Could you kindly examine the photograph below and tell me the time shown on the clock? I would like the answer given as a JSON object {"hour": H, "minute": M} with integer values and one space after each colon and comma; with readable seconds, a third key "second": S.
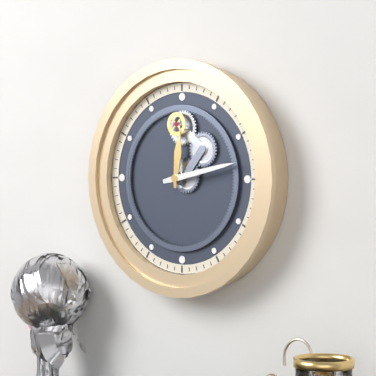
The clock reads {"hour": 12, "minute": 13}
